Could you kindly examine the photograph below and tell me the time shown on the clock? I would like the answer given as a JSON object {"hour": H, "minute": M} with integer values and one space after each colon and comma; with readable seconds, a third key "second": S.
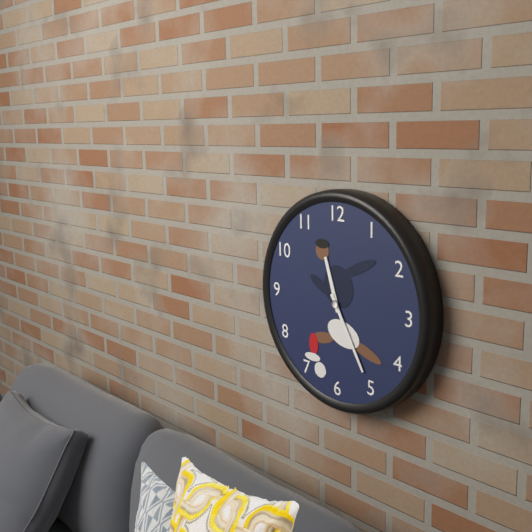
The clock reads {"hour": 11, "minute": 25}
